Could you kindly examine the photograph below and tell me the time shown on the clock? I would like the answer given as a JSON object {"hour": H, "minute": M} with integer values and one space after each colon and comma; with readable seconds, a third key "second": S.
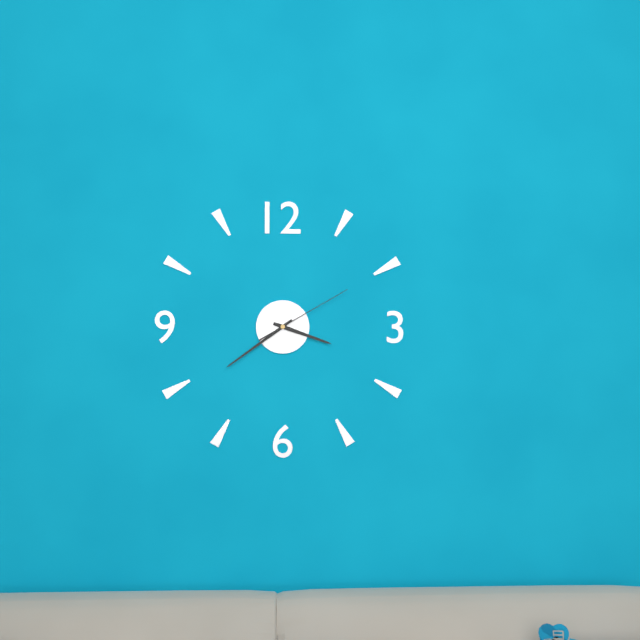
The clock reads {"hour": 3, "minute": 39, "second": 10}
